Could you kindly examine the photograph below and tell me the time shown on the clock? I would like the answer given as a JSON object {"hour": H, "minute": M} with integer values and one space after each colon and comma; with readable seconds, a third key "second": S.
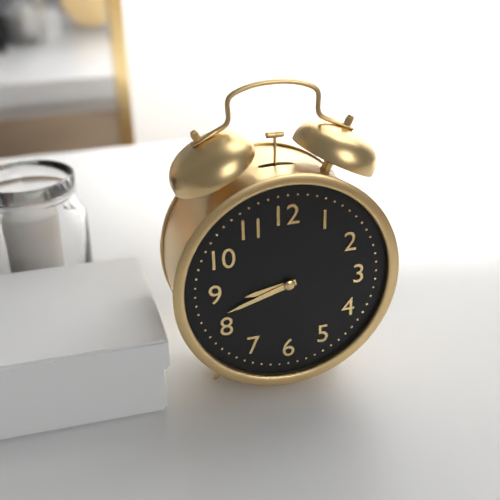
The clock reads {"hour": 8, "minute": 42}
